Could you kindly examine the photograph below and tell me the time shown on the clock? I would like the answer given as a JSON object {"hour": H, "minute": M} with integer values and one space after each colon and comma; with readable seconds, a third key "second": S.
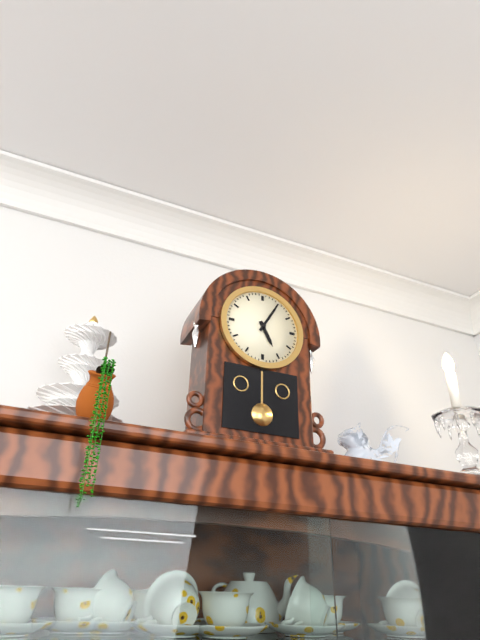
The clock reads {"hour": 5, "minute": 5}
